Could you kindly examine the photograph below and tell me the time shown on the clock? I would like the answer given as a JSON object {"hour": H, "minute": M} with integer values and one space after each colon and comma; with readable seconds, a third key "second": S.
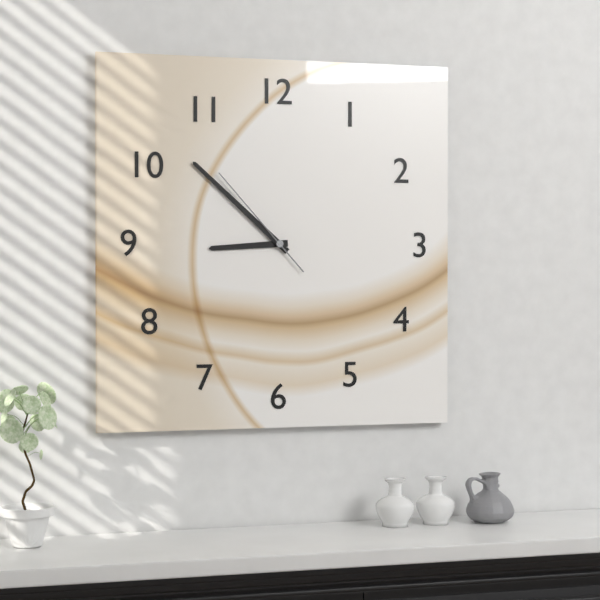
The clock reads {"hour": 8, "minute": 52, "second": 53}
